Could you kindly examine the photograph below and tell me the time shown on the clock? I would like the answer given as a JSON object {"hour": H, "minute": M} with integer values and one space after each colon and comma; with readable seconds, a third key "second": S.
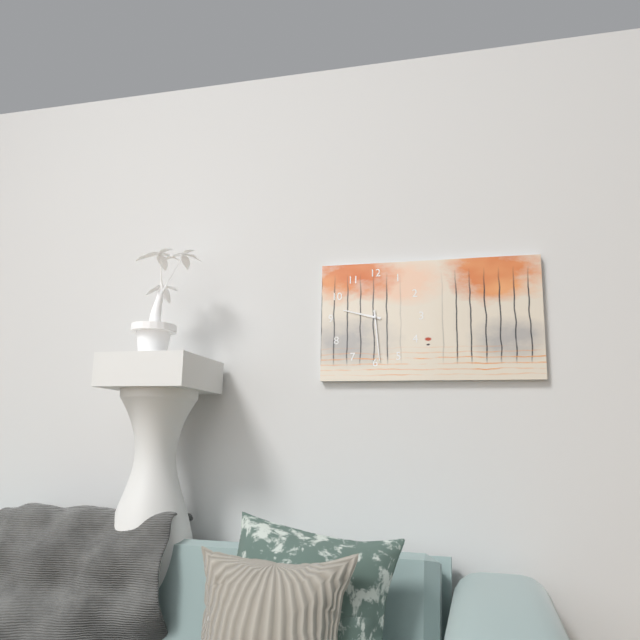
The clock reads {"hour": 9, "minute": 29}
